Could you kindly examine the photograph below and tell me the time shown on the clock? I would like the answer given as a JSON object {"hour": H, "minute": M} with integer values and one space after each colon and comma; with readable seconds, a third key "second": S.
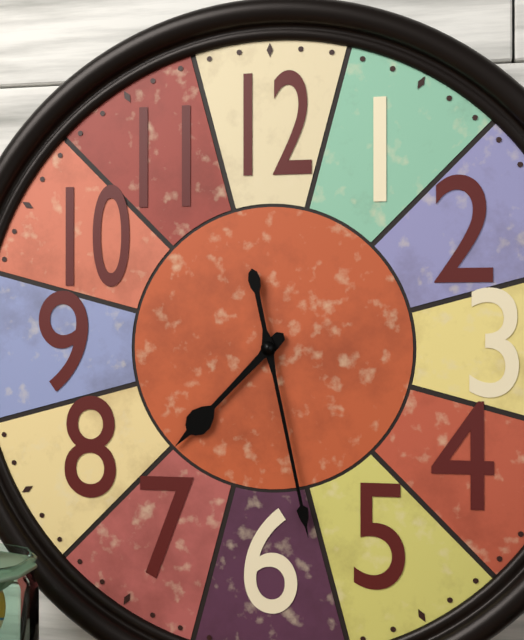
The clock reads {"hour": 7, "minute": 28}
